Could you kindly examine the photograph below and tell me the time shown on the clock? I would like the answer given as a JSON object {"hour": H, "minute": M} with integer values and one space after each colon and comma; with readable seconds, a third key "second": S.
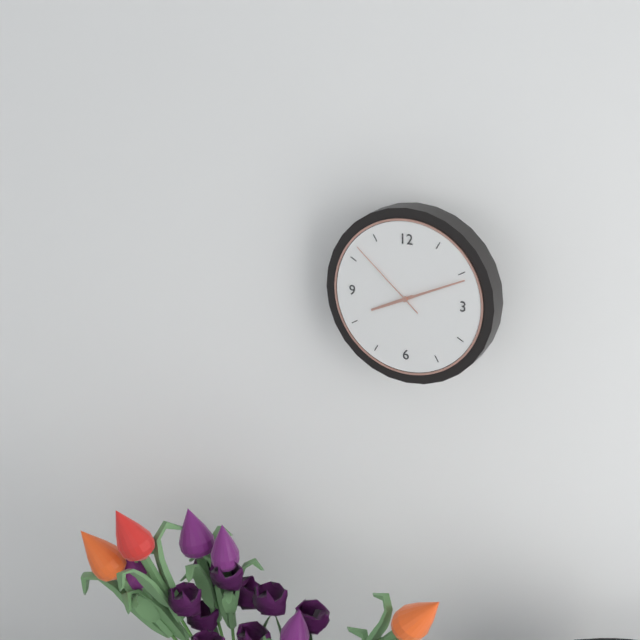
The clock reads {"hour": 8, "minute": 11, "second": 52}
